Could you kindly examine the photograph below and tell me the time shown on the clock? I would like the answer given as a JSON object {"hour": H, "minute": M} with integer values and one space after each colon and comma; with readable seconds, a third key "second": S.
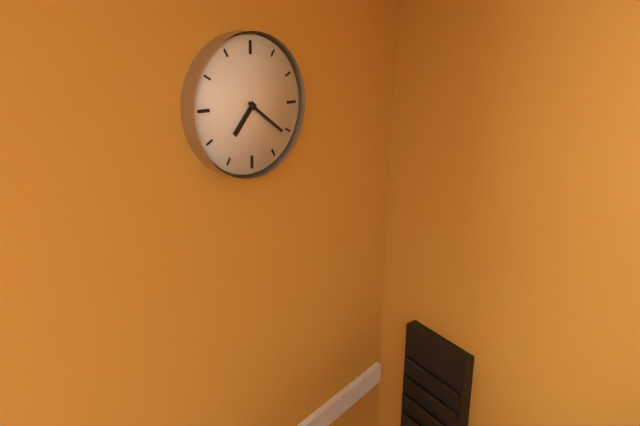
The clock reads {"hour": 7, "minute": 21}
